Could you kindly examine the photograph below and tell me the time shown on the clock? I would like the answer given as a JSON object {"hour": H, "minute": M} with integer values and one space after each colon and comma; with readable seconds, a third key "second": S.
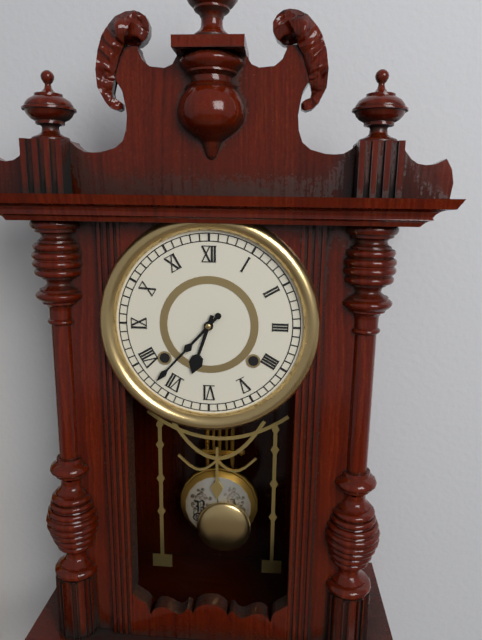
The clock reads {"hour": 6, "minute": 37}
